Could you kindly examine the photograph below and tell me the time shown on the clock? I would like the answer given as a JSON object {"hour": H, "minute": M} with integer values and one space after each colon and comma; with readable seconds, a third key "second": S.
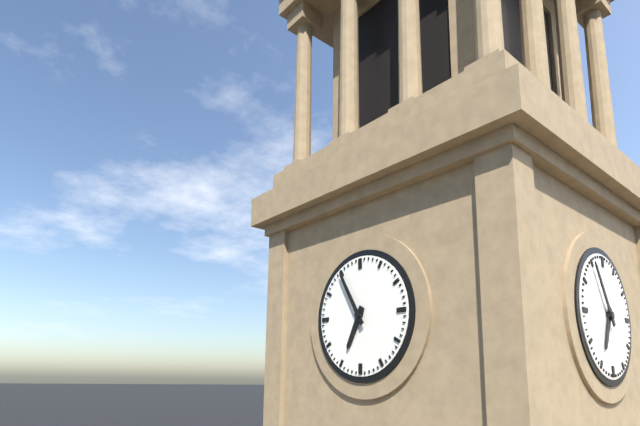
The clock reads {"hour": 6, "minute": 55}
